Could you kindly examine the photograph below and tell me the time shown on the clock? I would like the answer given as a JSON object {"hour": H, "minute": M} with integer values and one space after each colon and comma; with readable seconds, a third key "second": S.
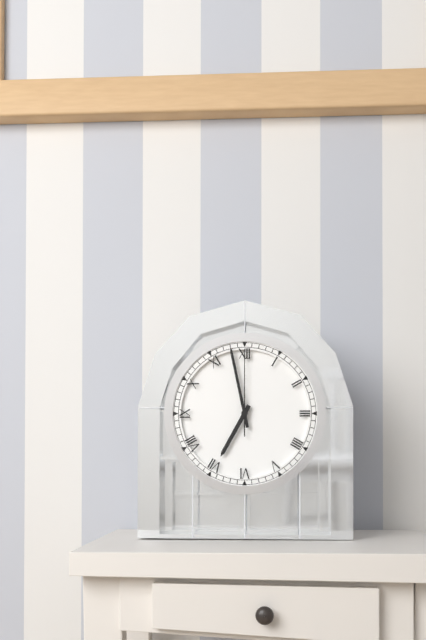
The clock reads {"hour": 6, "minute": 58, "second": 0}
